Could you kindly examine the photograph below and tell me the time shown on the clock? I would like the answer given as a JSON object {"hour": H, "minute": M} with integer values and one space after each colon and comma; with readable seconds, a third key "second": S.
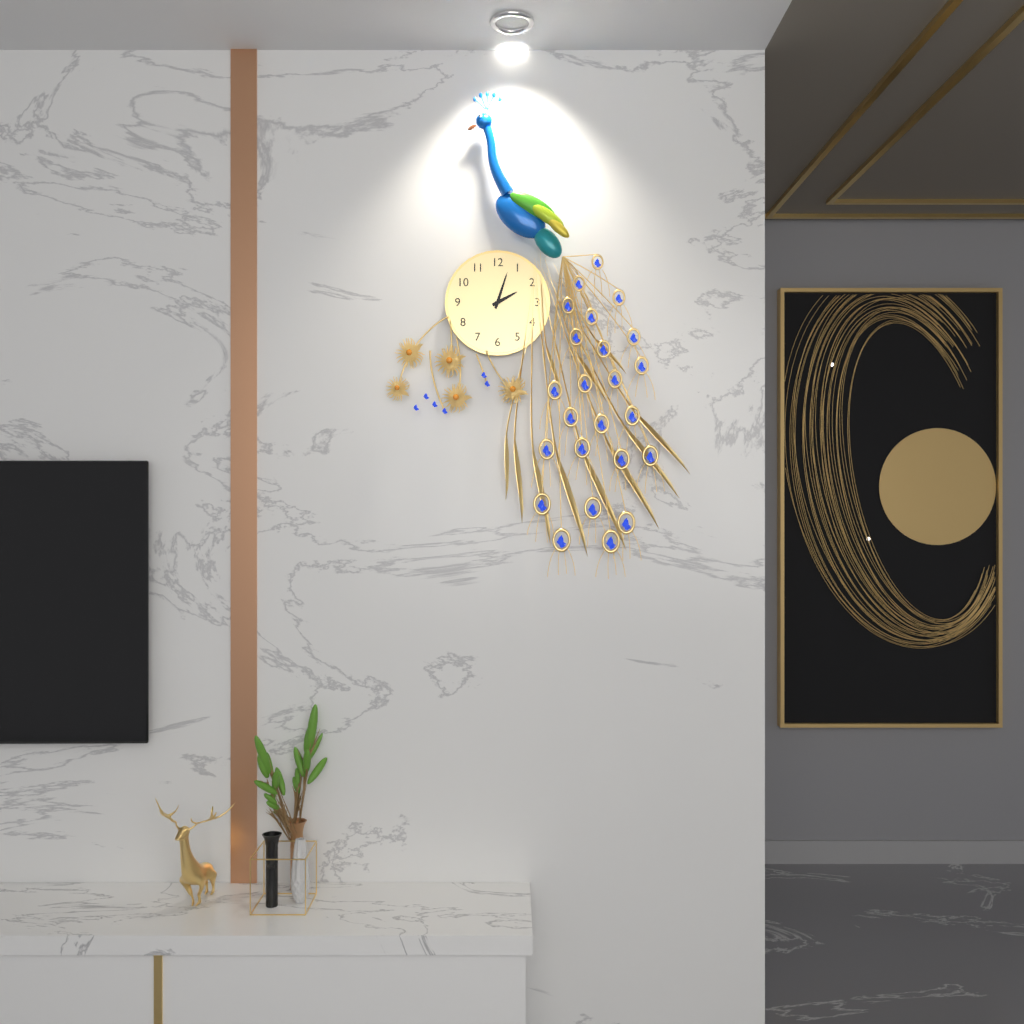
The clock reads {"hour": 2, "minute": 3}
